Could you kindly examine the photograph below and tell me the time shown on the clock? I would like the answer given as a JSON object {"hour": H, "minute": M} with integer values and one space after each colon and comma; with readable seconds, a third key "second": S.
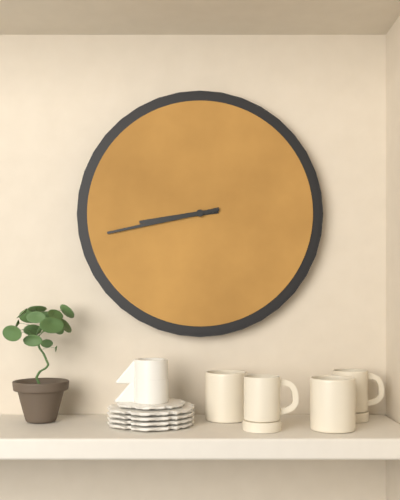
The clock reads {"hour": 8, "minute": 43}
